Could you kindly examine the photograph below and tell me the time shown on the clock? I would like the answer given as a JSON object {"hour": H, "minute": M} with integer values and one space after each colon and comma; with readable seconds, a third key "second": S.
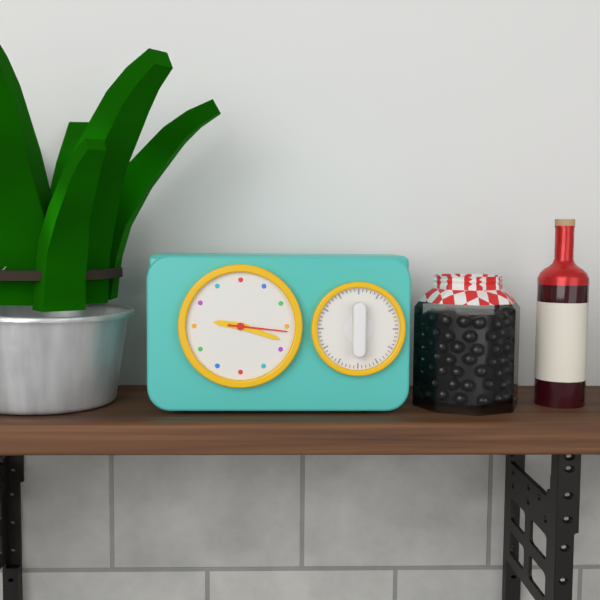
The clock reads {"hour": 9, "minute": 18, "second": 16}
